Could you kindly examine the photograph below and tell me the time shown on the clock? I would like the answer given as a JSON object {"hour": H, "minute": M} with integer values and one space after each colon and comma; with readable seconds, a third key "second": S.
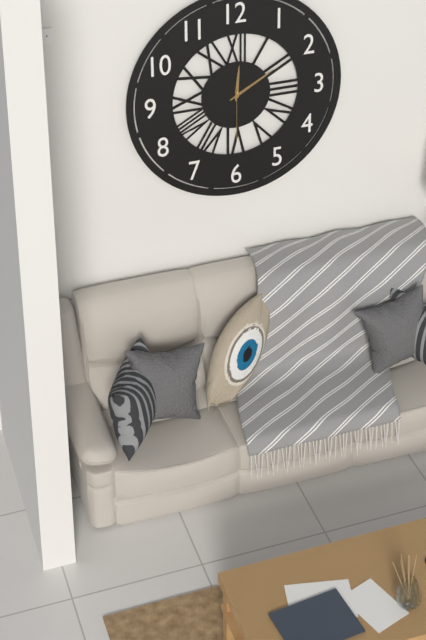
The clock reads {"hour": 12, "minute": 10, "second": 30}
